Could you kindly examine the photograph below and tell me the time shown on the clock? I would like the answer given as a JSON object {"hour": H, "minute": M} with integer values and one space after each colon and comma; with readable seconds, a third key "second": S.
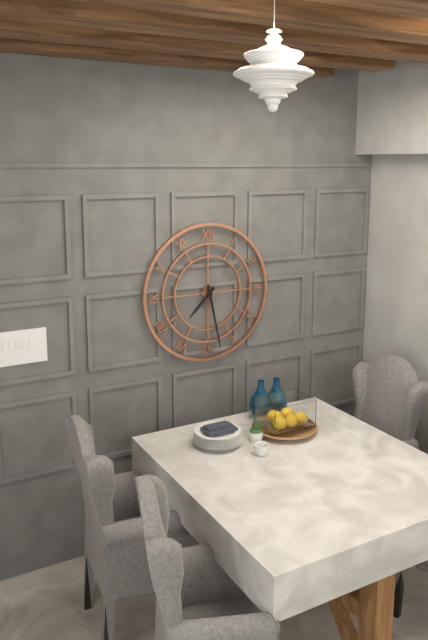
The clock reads {"hour": 7, "minute": 28}
